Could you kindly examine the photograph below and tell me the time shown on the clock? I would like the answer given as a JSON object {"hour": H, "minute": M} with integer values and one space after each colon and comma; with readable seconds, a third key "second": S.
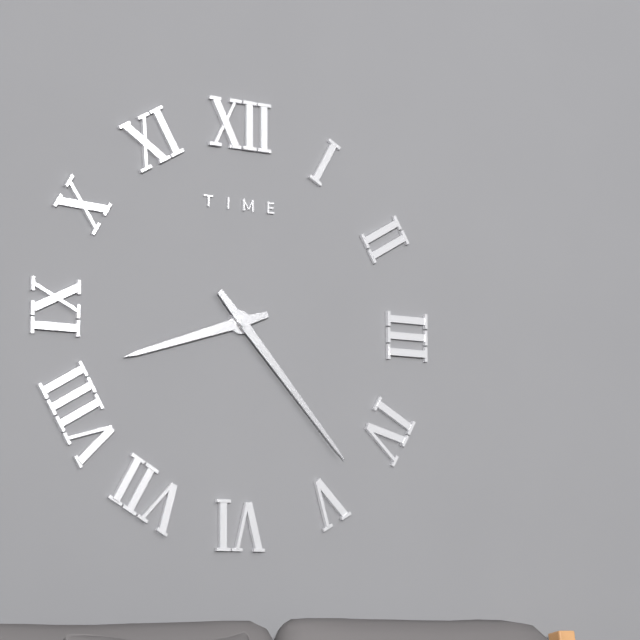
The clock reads {"hour": 8, "minute": 23}
